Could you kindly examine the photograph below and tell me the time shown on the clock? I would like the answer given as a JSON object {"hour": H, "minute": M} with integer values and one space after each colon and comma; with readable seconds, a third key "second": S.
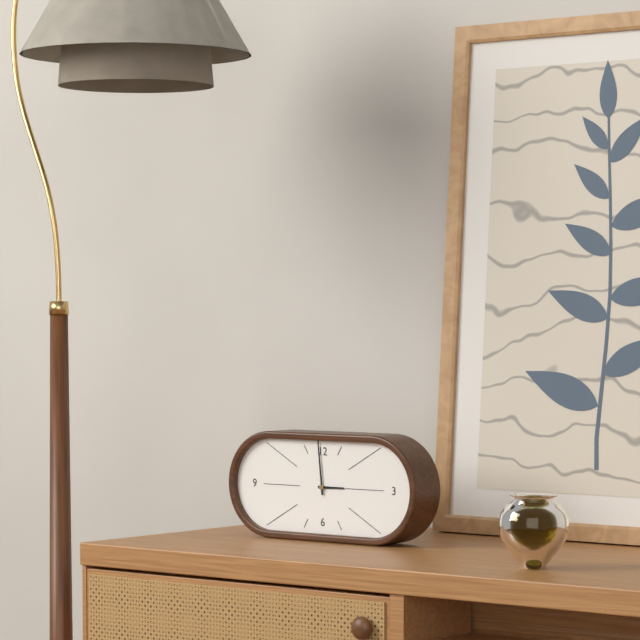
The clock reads {"hour": 2, "minute": 59}
